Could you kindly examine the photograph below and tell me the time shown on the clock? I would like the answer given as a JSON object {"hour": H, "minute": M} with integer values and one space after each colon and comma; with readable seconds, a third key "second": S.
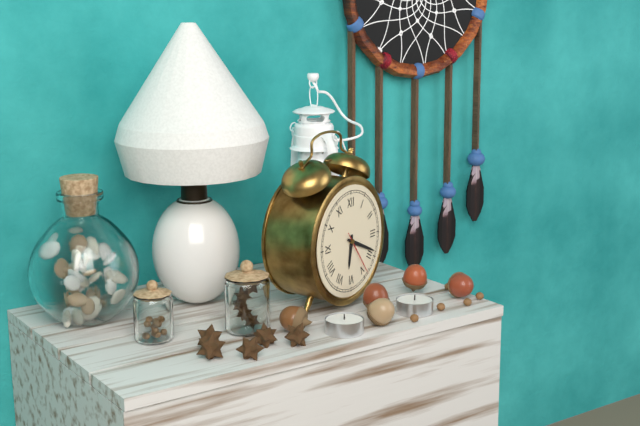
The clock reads {"hour": 6, "minute": 19}
